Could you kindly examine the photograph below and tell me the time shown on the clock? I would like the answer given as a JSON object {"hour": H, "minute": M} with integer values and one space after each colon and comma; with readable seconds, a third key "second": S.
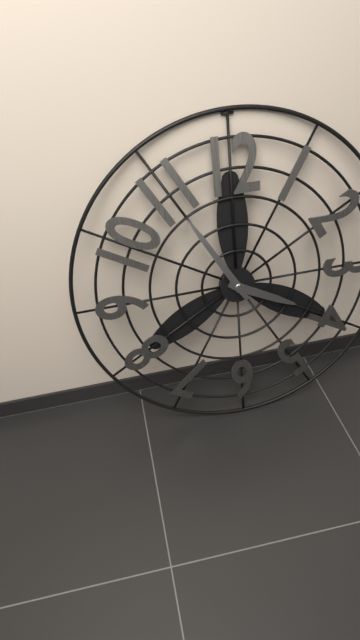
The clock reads {"hour": 3, "minute": 55}
